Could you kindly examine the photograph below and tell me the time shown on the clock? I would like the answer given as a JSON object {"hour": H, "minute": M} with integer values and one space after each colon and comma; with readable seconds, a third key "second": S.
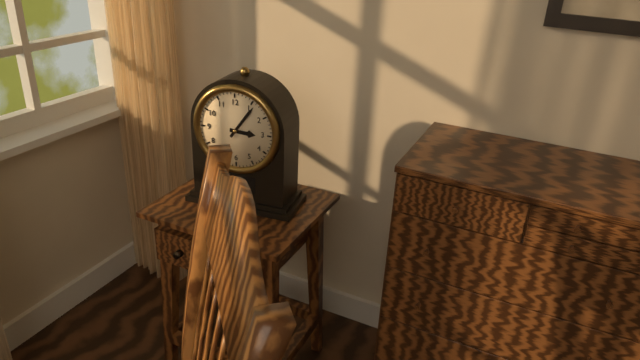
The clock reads {"hour": 3, "minute": 6}
